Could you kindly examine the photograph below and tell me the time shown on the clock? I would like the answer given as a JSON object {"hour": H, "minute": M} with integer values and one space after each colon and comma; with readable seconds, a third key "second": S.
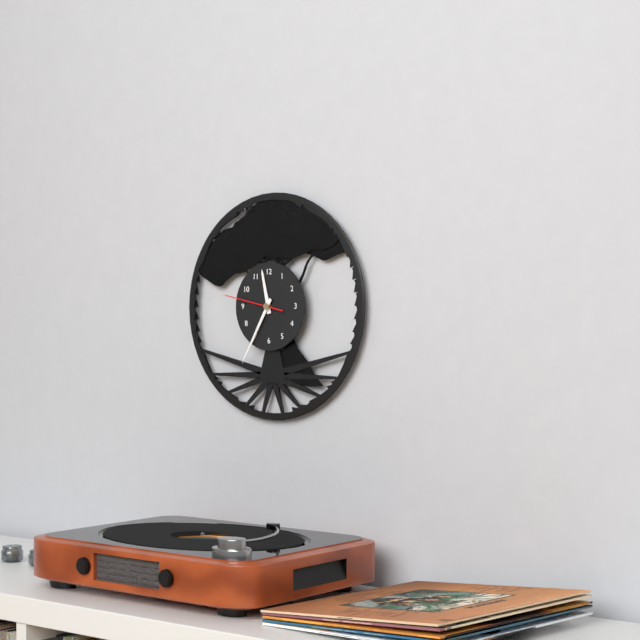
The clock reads {"hour": 11, "minute": 35, "second": 47}
